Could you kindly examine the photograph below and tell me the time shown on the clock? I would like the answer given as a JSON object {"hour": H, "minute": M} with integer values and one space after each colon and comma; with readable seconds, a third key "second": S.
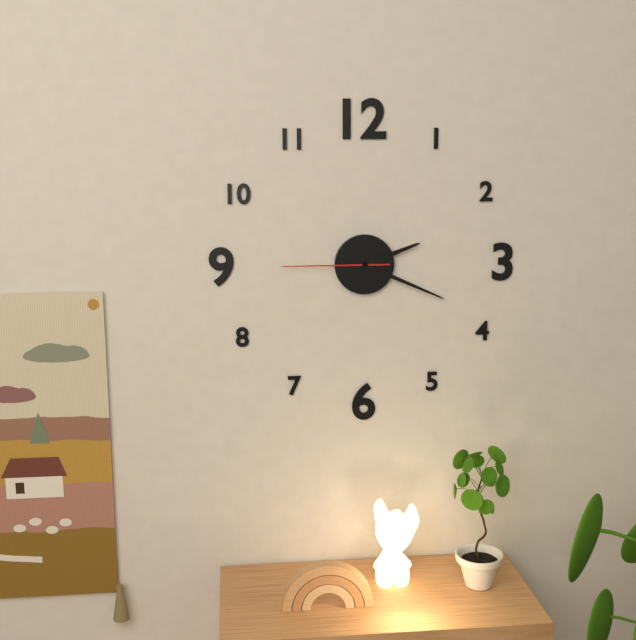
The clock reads {"hour": 2, "minute": 19, "second": 45}
